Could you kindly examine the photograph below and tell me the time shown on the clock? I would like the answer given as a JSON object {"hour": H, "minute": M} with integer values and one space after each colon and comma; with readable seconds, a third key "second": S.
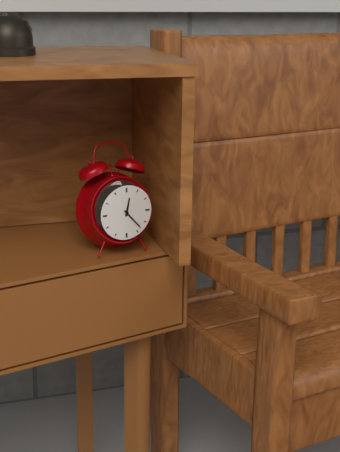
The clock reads {"hour": 12, "minute": 23}
